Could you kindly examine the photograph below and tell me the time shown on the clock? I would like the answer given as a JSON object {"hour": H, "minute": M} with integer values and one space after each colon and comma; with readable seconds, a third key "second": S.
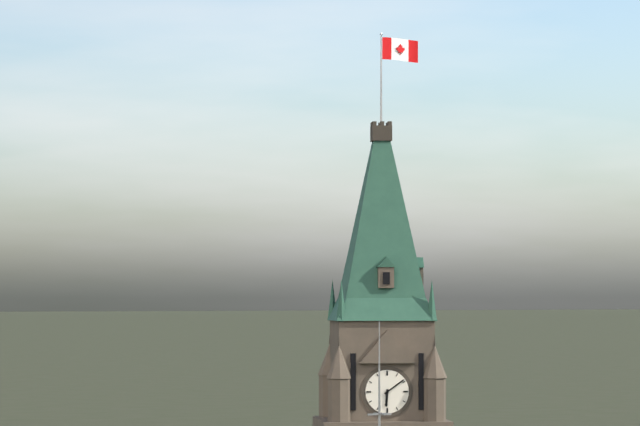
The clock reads {"hour": 6, "minute": 9}
